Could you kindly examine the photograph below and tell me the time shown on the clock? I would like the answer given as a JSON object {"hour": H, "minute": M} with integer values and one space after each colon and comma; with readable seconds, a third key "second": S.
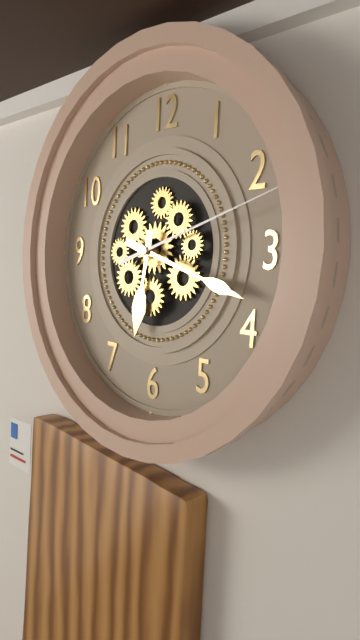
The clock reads {"hour": 6, "minute": 18, "second": 12}
